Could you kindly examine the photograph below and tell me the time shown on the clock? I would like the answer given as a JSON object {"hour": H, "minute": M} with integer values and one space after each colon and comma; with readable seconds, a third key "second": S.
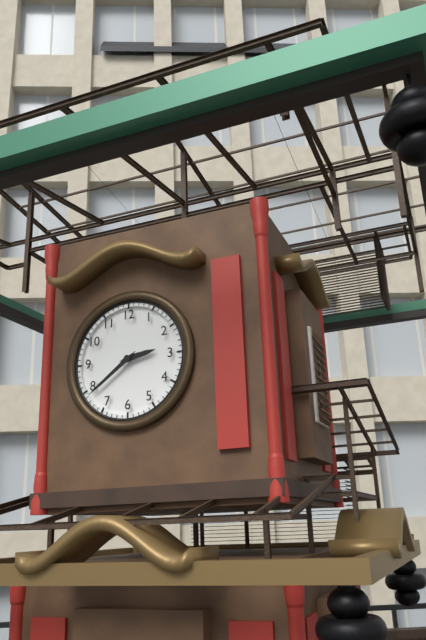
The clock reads {"hour": 2, "minute": 39}
